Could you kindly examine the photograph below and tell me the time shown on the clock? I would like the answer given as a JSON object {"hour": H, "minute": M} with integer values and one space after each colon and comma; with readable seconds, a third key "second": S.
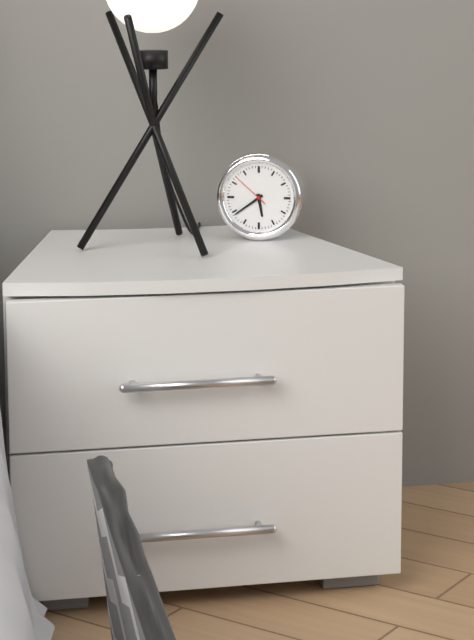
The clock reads {"hour": 5, "minute": 39}
